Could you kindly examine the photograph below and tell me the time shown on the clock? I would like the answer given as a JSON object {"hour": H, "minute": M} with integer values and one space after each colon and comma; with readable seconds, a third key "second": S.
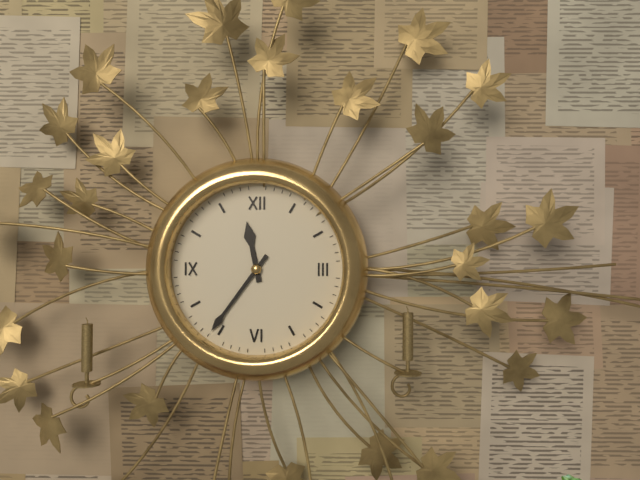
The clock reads {"hour": 11, "minute": 36}
